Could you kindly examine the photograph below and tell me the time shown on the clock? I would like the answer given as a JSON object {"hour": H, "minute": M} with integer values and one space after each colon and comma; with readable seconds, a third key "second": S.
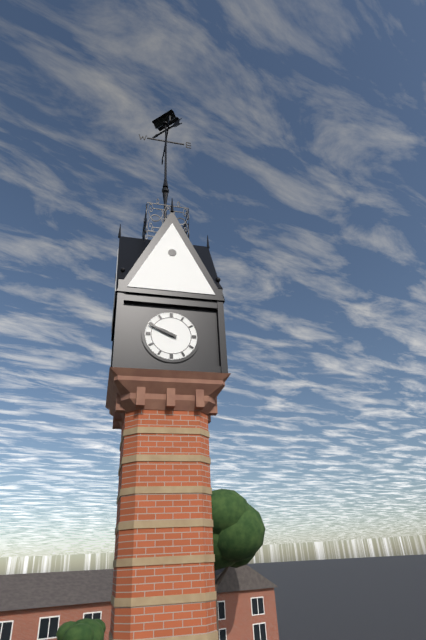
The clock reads {"hour": 9, "minute": 49}
